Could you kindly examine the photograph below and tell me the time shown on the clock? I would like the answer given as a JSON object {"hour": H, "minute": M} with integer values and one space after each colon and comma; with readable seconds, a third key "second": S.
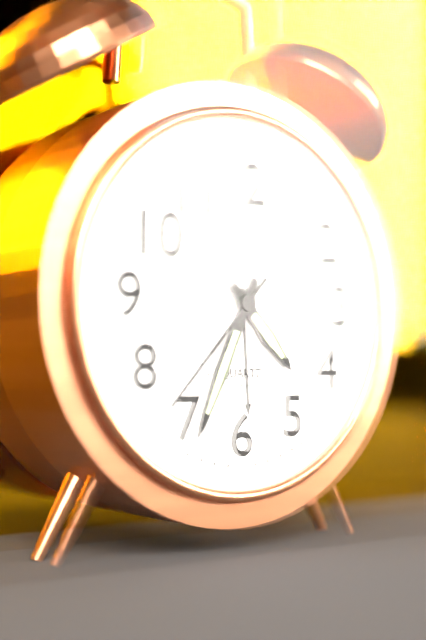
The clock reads {"hour": 4, "minute": 34, "second": 37}
